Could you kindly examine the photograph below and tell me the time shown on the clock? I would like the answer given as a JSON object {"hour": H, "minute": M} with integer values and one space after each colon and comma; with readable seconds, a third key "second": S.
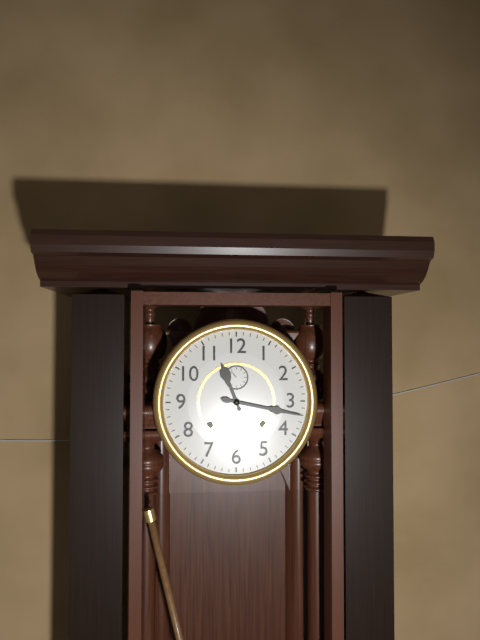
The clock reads {"hour": 11, "minute": 17}
